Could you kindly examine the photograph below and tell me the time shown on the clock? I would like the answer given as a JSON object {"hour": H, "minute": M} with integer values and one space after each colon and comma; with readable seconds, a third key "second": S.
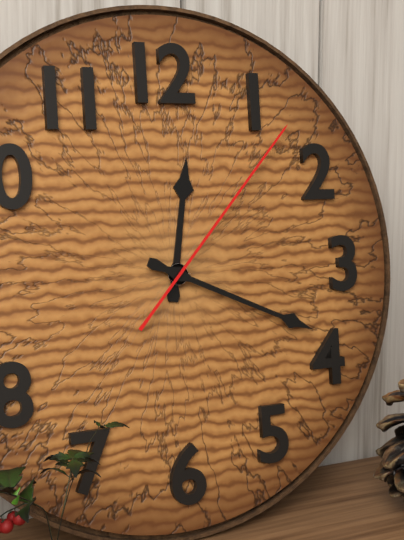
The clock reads {"hour": 12, "minute": 19, "second": 7}
